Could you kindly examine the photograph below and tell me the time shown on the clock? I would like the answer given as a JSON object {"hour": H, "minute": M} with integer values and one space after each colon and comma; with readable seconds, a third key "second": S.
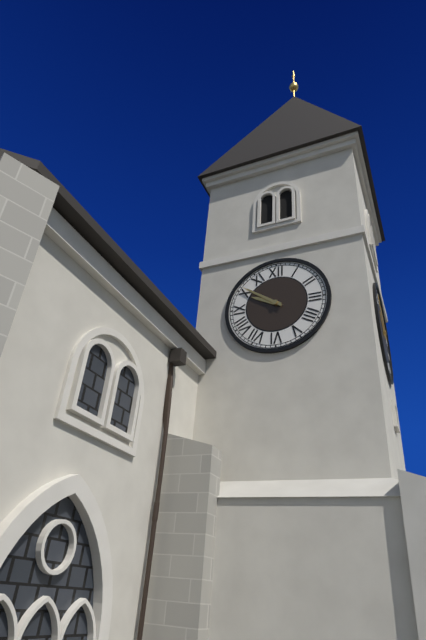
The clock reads {"hour": 9, "minute": 51}
